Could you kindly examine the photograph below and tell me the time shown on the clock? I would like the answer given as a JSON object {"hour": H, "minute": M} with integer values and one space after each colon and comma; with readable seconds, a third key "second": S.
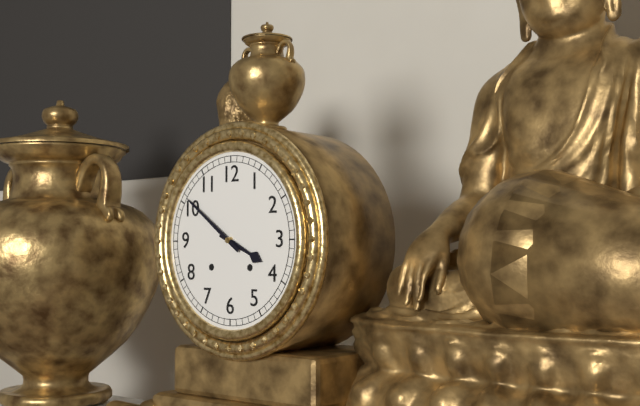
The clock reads {"hour": 3, "minute": 51}
